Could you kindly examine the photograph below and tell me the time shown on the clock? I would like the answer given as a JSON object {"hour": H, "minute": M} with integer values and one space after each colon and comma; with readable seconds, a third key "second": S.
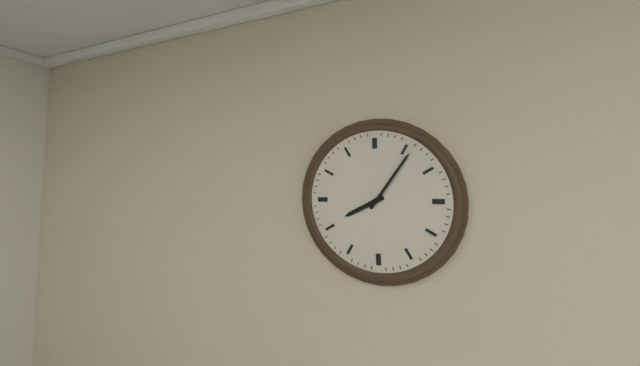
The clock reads {"hour": 8, "minute": 6}
